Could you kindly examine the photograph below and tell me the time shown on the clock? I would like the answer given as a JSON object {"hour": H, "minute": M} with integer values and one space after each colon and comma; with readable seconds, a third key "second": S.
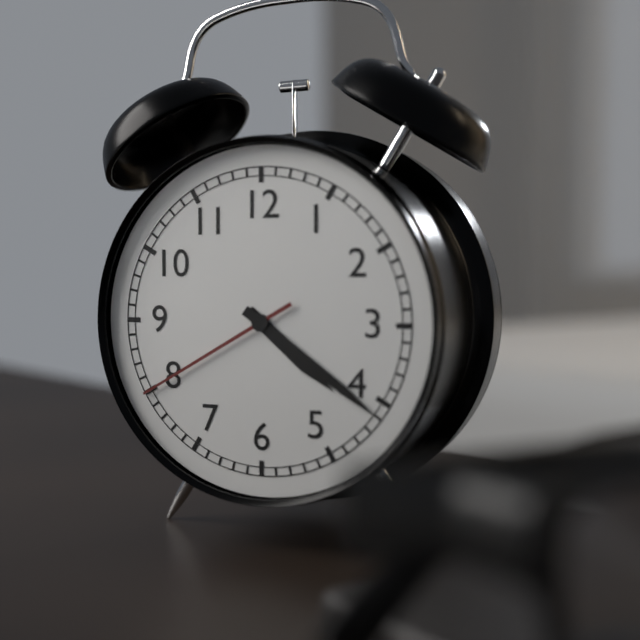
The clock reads {"hour": 4, "minute": 21, "second": 40}
